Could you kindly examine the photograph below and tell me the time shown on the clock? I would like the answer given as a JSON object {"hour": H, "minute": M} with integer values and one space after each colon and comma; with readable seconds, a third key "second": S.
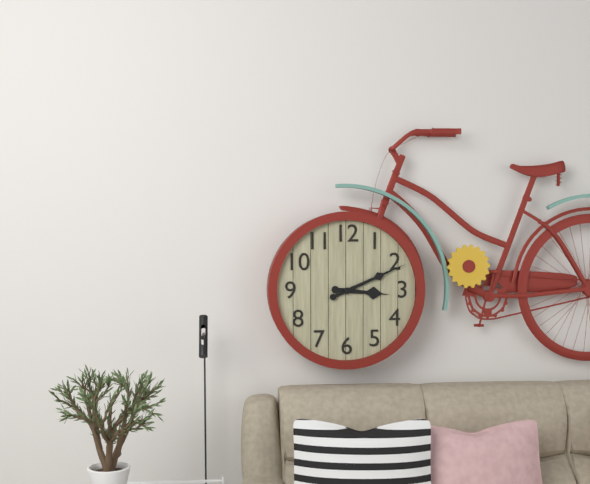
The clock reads {"hour": 3, "minute": 11}
